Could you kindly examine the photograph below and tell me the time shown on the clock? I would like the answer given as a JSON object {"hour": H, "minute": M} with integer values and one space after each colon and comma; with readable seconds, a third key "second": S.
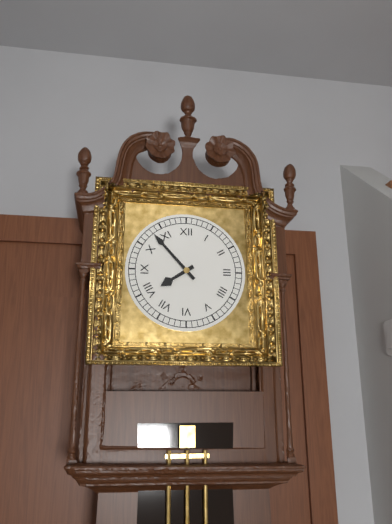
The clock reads {"hour": 7, "minute": 53}
